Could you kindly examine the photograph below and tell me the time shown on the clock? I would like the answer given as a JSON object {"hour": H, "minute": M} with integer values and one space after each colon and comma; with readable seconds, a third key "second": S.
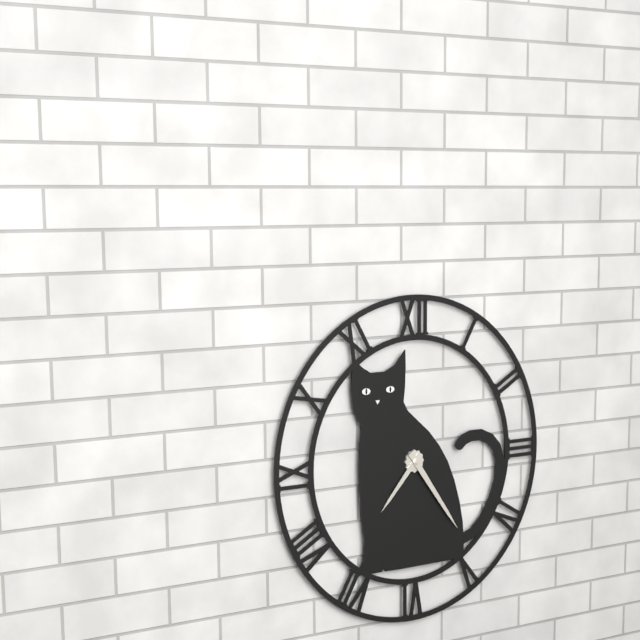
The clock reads {"hour": 7, "minute": 24}
